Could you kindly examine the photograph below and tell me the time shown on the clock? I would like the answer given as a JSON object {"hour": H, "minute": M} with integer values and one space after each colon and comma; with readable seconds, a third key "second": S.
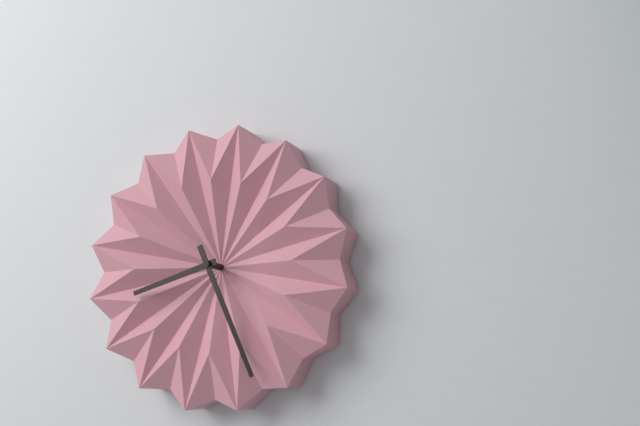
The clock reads {"hour": 8, "minute": 26}
